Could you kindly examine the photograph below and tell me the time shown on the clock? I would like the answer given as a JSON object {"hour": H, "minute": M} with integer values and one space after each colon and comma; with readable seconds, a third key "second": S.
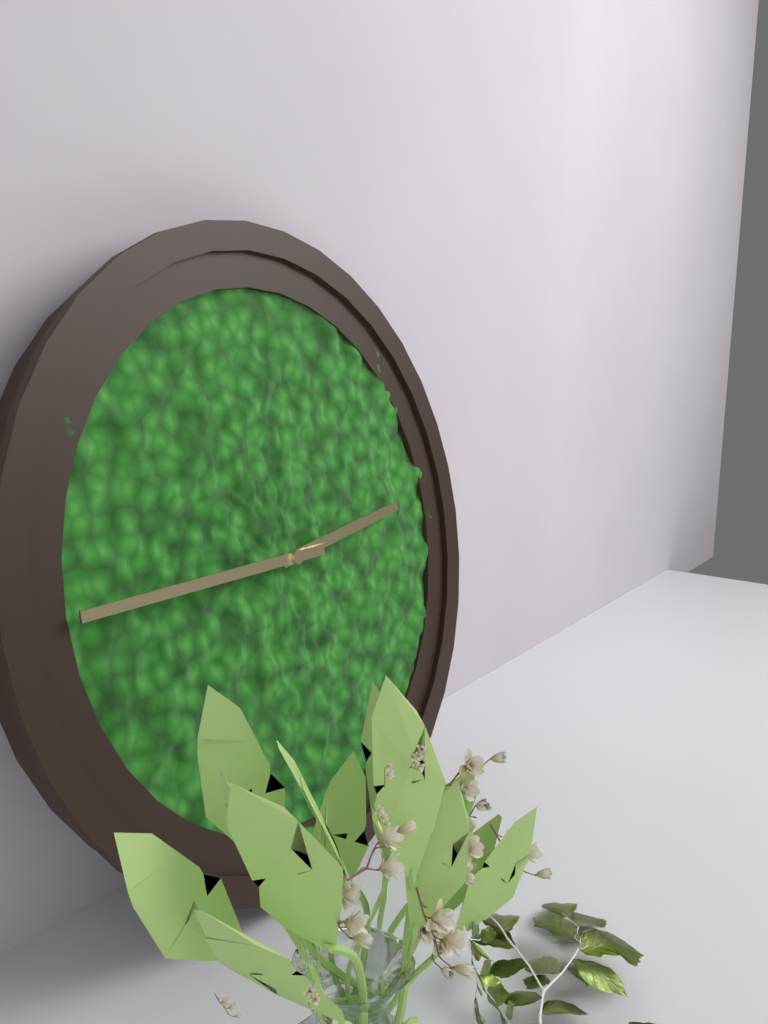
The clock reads {"hour": 2, "minute": 45}
